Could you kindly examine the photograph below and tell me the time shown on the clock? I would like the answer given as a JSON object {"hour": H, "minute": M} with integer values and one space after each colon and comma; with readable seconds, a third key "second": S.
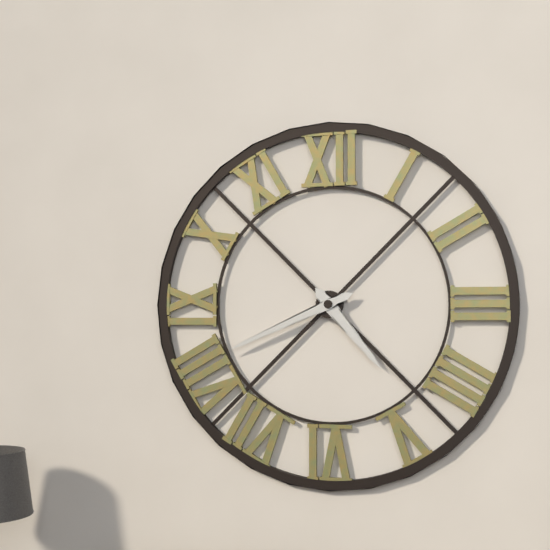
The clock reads {"hour": 4, "minute": 41}
